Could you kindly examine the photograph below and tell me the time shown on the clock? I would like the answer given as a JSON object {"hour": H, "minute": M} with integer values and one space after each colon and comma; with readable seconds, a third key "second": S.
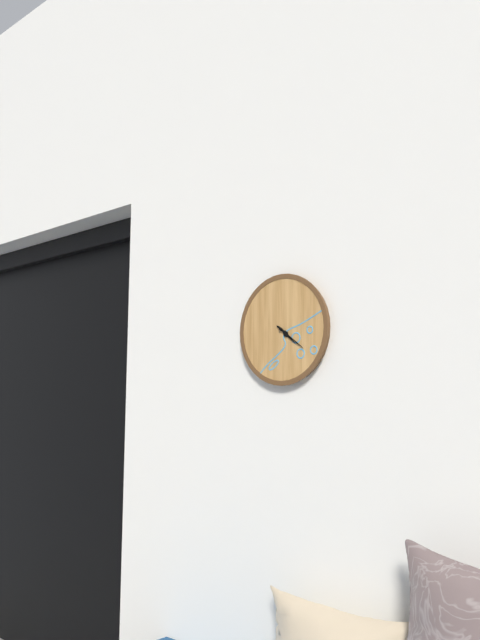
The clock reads {"hour": 4, "minute": 21}
